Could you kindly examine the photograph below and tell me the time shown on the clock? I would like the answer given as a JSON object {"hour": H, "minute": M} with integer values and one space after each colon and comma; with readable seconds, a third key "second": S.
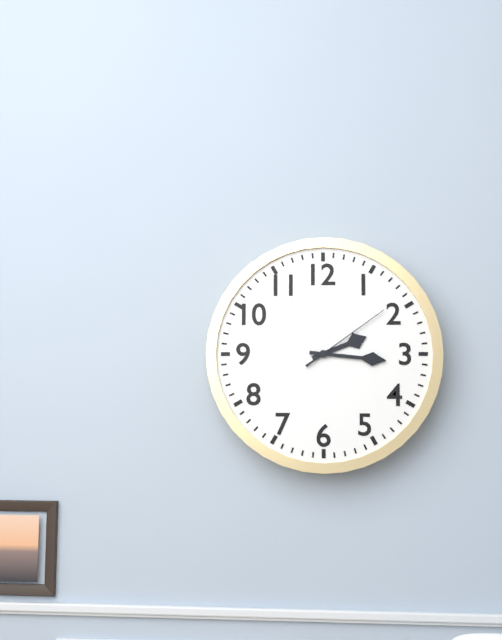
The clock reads {"hour": 2, "minute": 16, "second": 9}
